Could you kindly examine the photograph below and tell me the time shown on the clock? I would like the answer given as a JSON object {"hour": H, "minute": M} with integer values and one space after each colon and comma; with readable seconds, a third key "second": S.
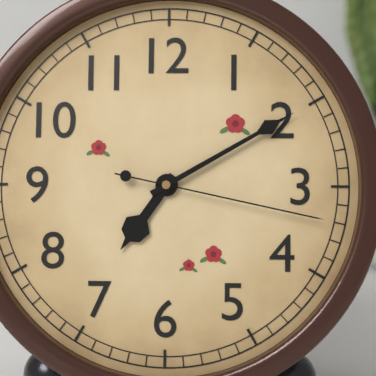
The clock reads {"hour": 7, "minute": 10, "second": 17}
